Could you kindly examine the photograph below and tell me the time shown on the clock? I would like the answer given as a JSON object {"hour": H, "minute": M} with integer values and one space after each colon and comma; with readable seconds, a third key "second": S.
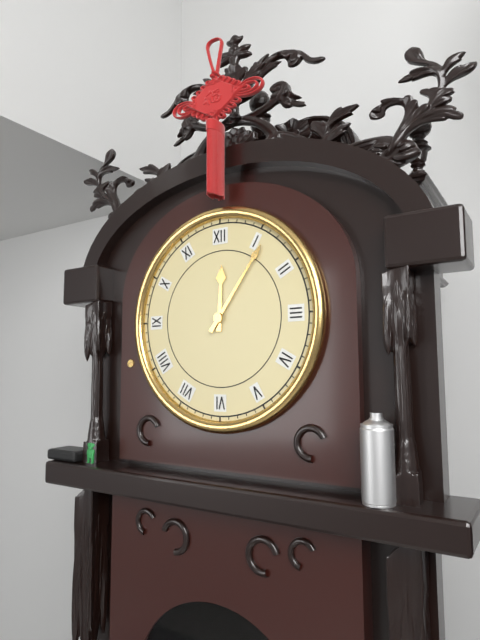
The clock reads {"hour": 12, "minute": 6}
